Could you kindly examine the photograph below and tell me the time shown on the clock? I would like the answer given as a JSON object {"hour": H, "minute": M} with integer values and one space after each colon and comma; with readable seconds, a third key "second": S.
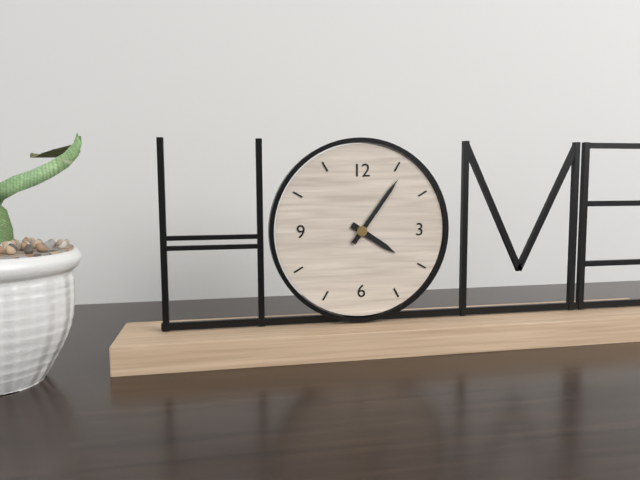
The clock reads {"hour": 4, "minute": 6}
